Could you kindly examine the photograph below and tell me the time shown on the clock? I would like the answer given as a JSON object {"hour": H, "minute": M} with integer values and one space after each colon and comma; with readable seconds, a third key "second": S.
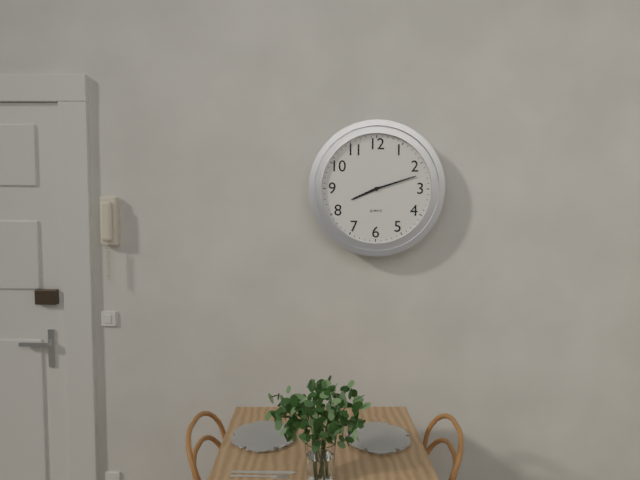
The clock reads {"hour": 8, "minute": 12}
